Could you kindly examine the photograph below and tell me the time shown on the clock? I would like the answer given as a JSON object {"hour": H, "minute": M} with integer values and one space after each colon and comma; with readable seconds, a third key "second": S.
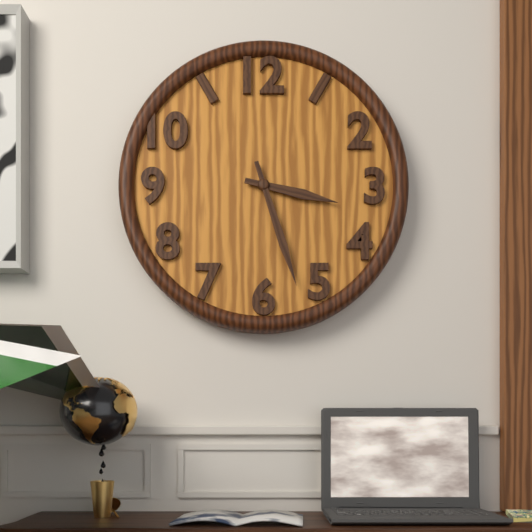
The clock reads {"hour": 3, "minute": 27}
